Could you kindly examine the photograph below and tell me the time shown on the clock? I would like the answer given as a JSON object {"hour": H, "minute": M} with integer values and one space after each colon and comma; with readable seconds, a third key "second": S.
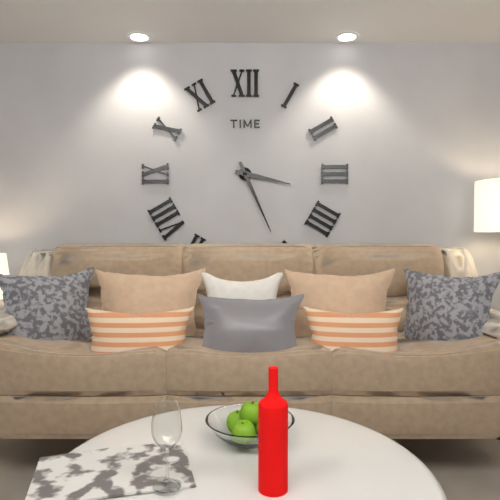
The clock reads {"hour": 3, "minute": 26}
